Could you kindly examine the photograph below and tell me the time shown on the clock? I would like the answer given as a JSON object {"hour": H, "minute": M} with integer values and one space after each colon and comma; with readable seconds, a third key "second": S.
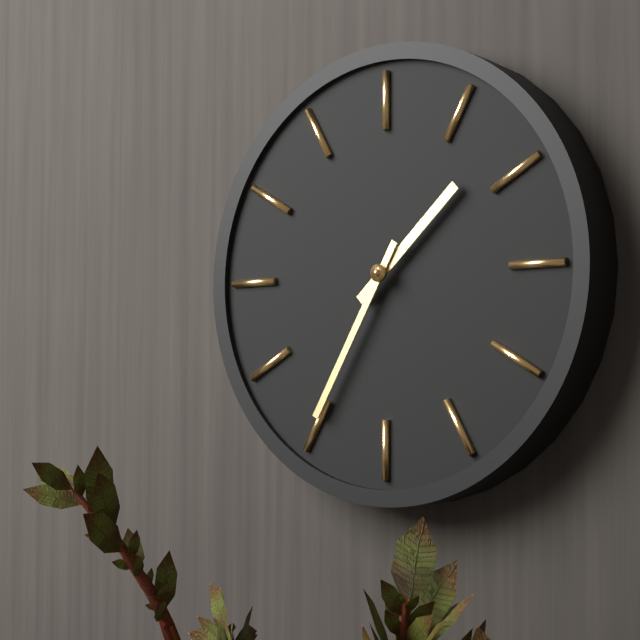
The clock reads {"hour": 1, "minute": 35}
